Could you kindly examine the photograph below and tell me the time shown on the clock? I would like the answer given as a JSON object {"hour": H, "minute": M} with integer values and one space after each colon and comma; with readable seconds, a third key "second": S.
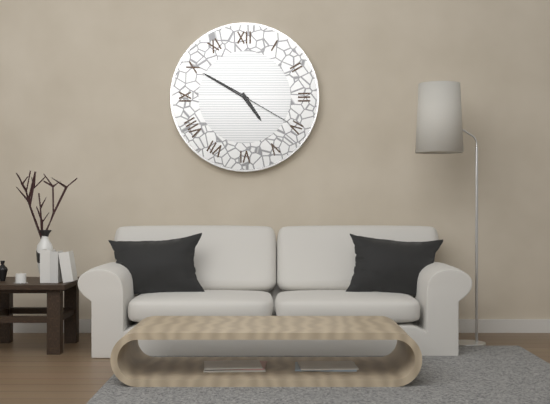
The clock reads {"hour": 4, "minute": 50, "second": 20}
